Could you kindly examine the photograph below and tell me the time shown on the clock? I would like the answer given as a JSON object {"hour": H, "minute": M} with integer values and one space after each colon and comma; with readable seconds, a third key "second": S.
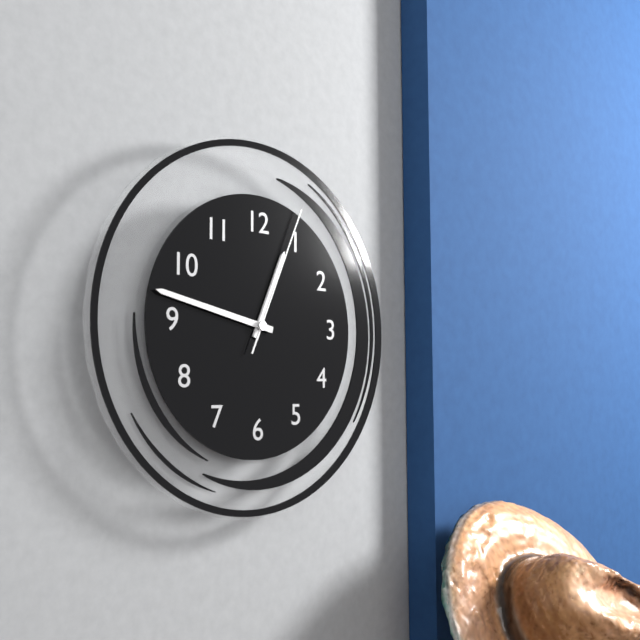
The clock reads {"hour": 12, "minute": 47, "second": 4}
